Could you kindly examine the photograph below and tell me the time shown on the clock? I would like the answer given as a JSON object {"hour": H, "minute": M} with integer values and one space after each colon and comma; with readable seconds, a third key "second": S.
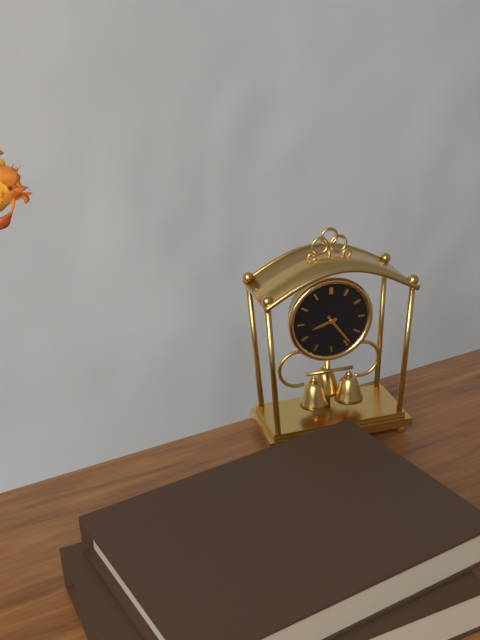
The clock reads {"hour": 8, "minute": 24}
